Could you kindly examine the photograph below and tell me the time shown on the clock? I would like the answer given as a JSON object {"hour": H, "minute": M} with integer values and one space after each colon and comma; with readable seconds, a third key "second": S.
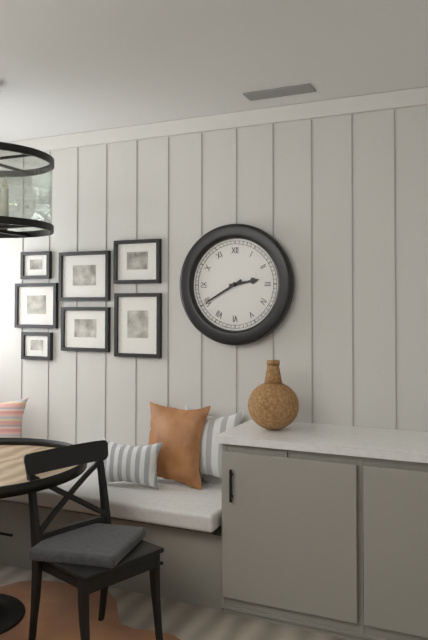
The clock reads {"hour": 2, "minute": 40}
